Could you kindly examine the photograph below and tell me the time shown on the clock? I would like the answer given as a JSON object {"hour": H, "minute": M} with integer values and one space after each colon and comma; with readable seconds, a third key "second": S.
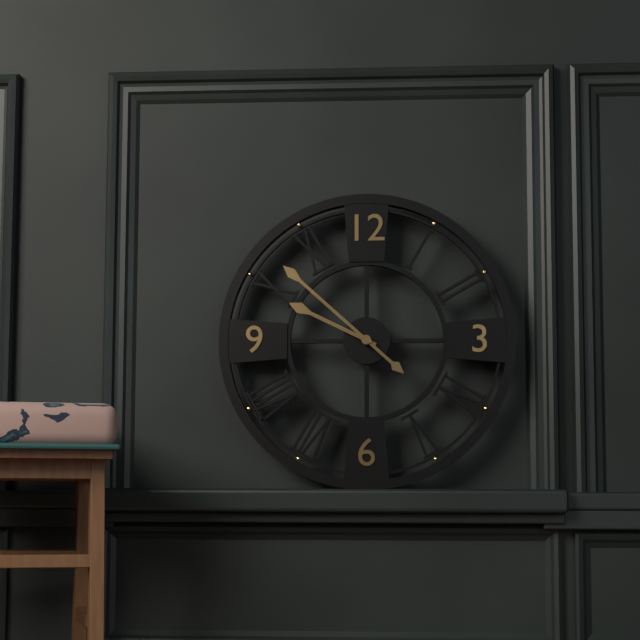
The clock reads {"hour": 9, "minute": 52}
